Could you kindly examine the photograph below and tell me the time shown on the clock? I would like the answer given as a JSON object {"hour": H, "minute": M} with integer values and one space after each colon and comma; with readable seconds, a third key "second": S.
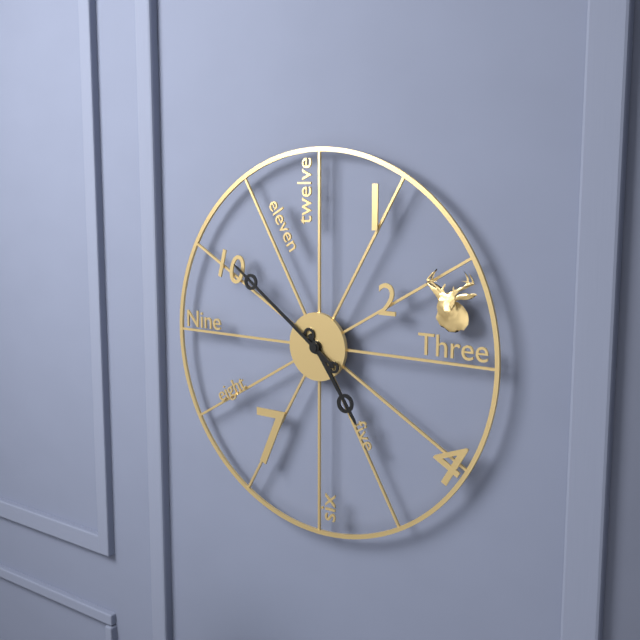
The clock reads {"hour": 4, "minute": 51}
